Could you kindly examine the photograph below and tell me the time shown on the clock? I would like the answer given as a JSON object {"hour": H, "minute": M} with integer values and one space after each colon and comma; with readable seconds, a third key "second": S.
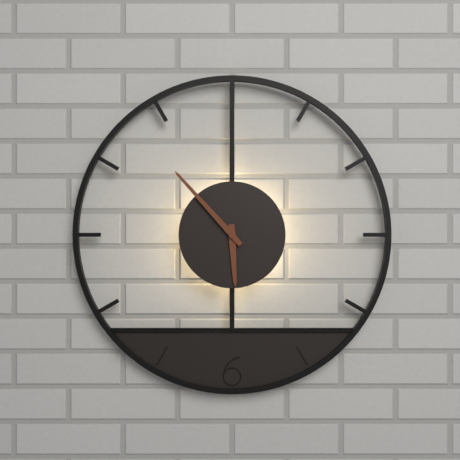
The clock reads {"hour": 5, "minute": 53}
